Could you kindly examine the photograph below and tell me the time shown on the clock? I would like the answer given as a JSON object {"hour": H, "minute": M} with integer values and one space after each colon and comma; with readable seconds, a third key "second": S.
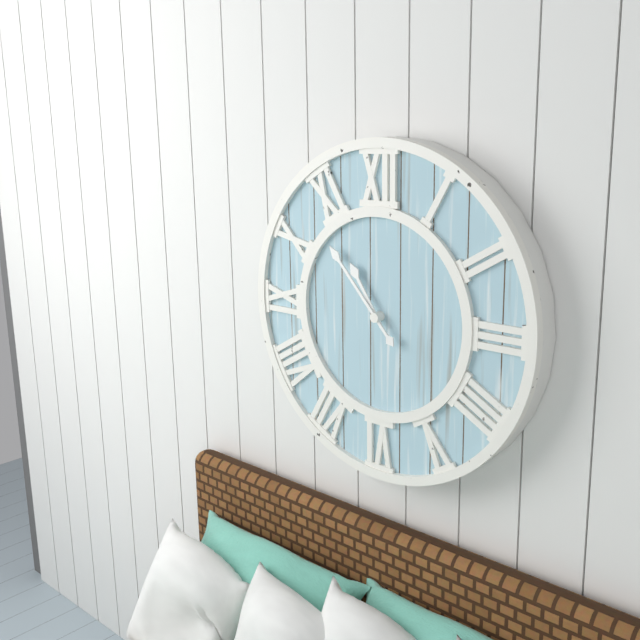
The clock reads {"hour": 10, "minute": 53}
